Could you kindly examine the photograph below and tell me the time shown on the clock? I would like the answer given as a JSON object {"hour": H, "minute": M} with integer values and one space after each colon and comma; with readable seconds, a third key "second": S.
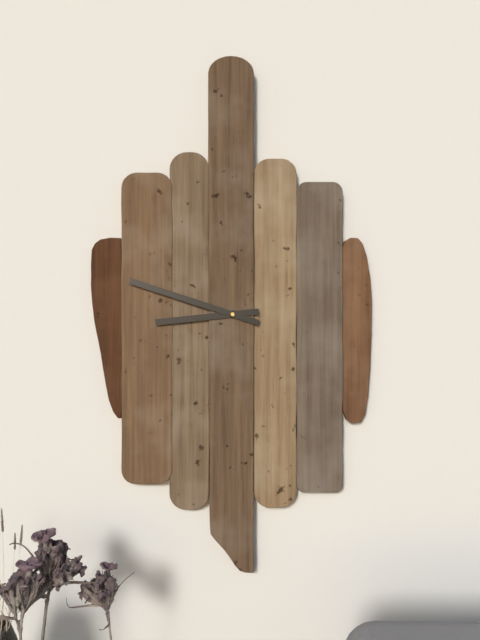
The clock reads {"hour": 8, "minute": 48}
